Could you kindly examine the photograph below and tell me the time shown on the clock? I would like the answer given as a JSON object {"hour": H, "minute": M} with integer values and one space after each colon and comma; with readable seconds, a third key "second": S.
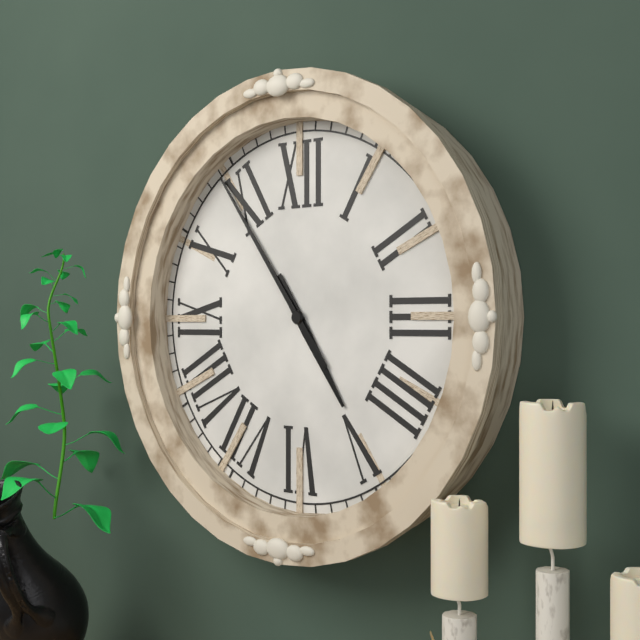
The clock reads {"hour": 4, "minute": 54}
